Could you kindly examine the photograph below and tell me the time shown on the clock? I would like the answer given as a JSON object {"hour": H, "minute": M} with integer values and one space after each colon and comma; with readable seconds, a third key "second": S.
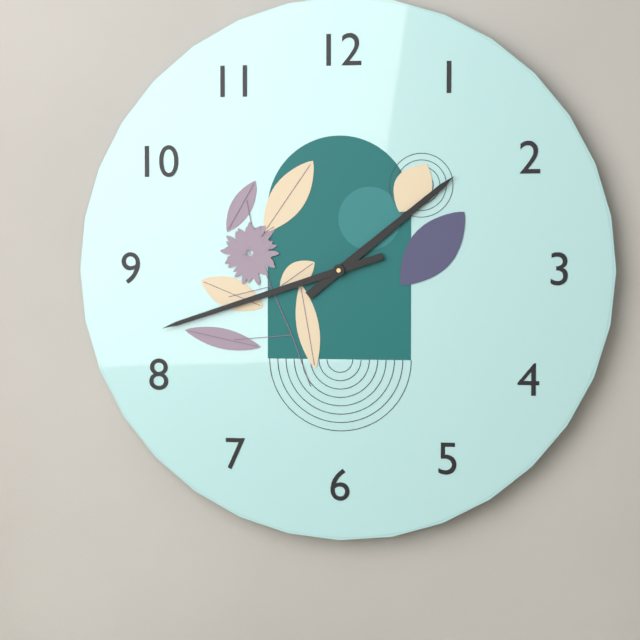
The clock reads {"hour": 1, "minute": 42}
